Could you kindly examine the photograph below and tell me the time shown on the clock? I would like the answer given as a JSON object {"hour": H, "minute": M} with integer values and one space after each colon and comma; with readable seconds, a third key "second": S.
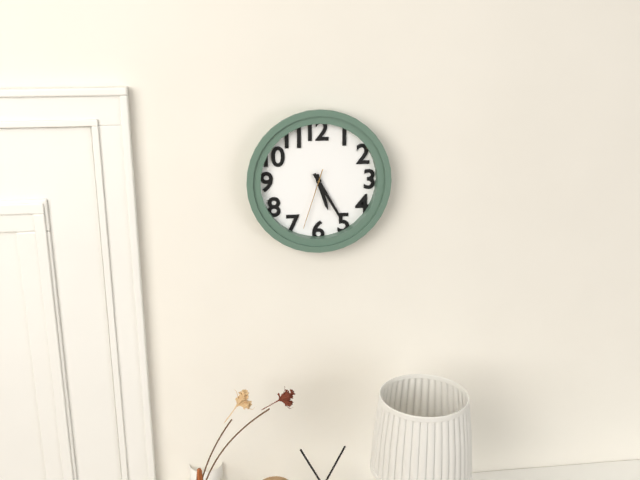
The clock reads {"hour": 5, "minute": 25, "second": 33}
